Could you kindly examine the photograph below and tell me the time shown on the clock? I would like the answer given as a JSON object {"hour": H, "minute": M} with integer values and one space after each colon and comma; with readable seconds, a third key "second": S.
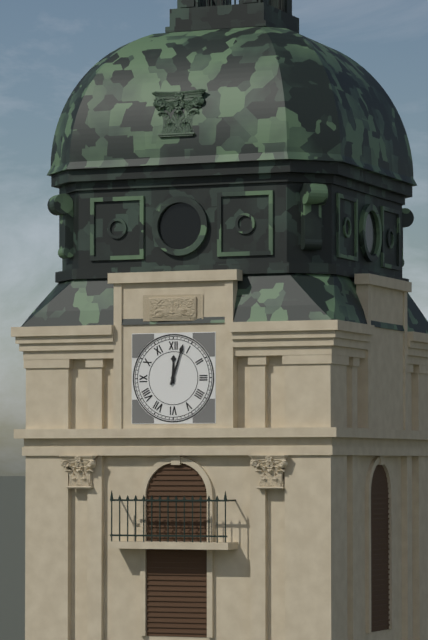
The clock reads {"hour": 12, "minute": 3}
